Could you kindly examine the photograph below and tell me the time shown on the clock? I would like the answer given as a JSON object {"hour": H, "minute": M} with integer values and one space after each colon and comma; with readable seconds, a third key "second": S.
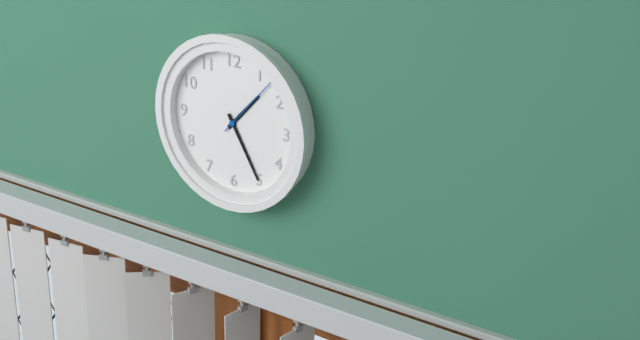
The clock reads {"hour": 1, "minute": 25, "second": 7}
